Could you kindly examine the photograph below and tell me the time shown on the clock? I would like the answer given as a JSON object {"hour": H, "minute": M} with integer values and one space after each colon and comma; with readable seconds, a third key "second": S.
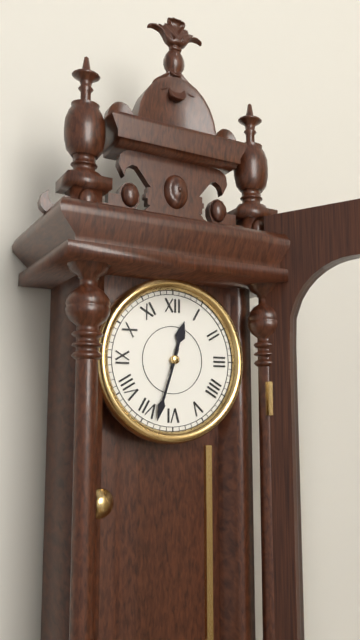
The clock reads {"hour": 12, "minute": 33}
